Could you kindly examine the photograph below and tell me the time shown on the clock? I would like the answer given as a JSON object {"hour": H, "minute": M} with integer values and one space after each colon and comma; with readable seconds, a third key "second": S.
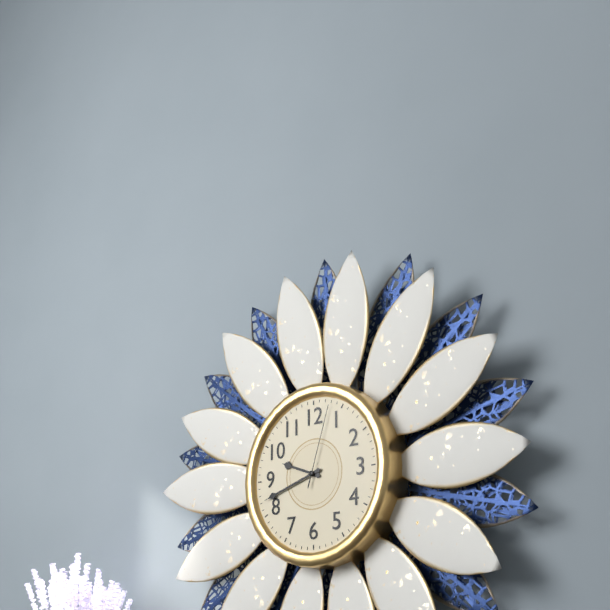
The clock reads {"hour": 9, "minute": 42, "second": 3}
